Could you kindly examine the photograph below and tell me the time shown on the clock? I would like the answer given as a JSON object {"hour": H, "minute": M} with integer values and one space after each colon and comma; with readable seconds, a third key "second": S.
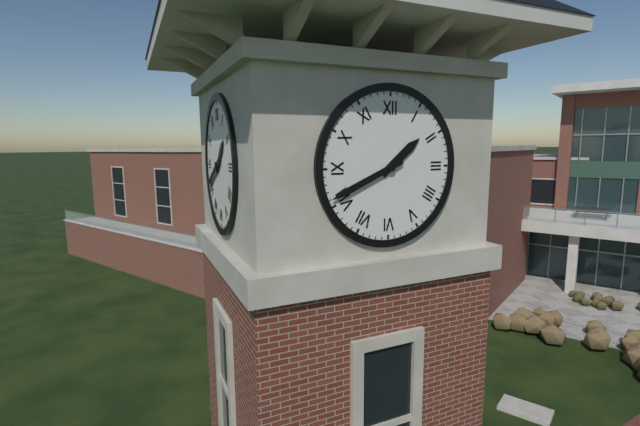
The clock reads {"hour": 1, "minute": 41}
